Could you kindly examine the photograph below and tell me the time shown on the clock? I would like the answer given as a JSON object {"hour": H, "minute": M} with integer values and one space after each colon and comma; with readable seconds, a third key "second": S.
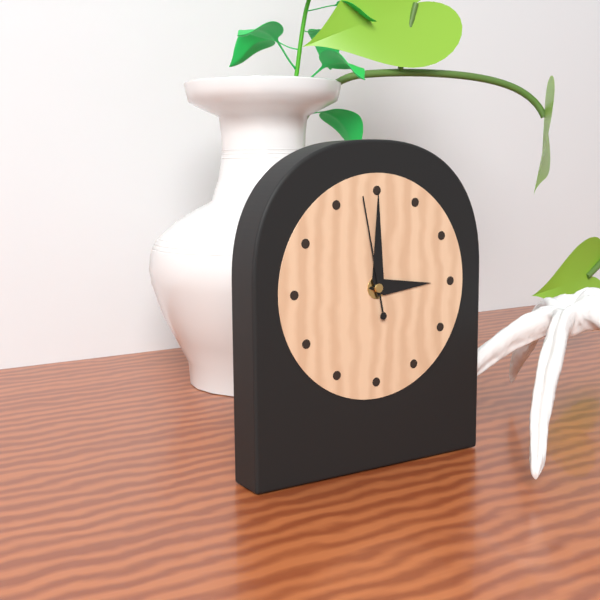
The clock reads {"hour": 3, "minute": 0, "second": 58}
